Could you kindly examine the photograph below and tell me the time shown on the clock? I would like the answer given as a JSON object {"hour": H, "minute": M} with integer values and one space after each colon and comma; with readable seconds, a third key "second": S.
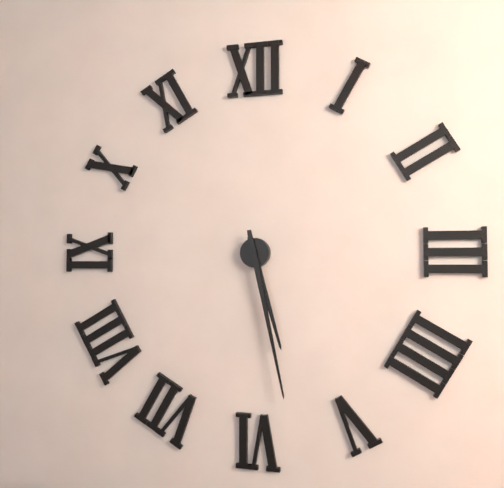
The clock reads {"hour": 5, "minute": 28}
